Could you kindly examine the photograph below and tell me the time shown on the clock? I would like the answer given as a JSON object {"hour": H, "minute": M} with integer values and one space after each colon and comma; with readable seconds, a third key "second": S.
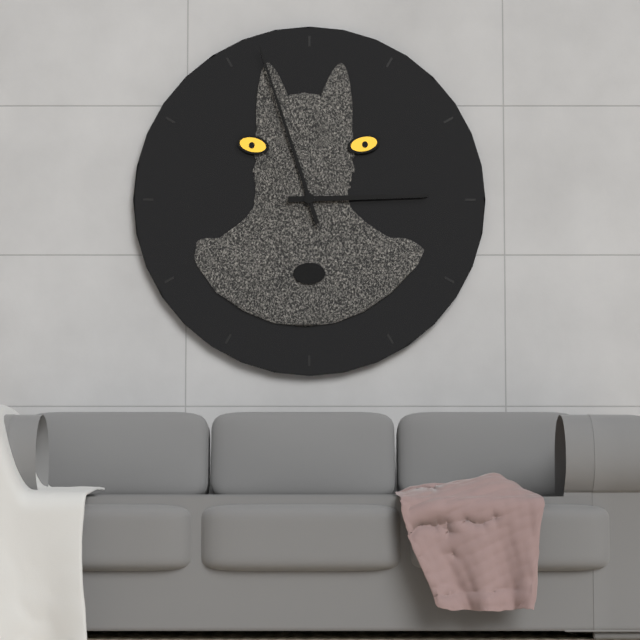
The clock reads {"hour": 2, "minute": 57}
